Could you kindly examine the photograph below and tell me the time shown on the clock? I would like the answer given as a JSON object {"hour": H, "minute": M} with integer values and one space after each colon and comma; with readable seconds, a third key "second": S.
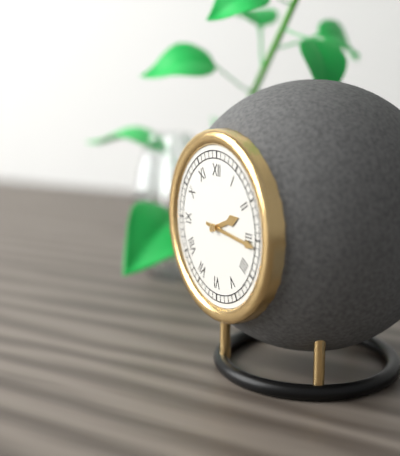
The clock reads {"hour": 2, "minute": 16}
